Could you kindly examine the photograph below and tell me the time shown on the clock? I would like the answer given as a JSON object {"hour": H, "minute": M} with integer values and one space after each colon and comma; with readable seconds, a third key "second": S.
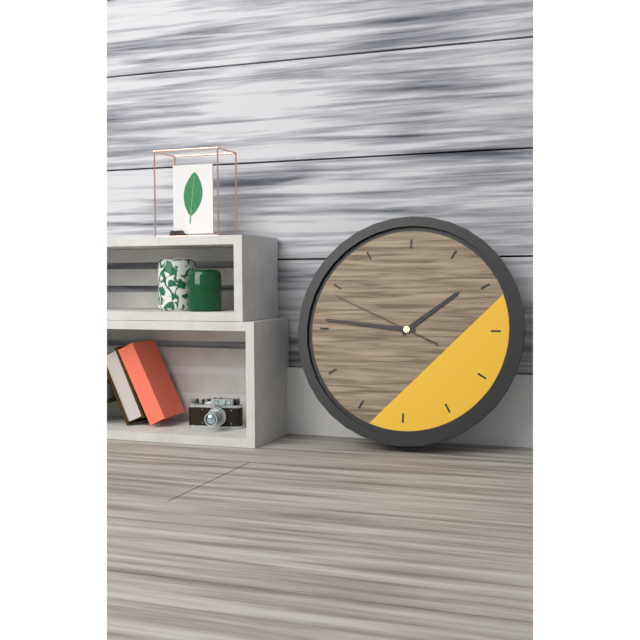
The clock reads {"hour": 1, "minute": 46, "second": 49}
